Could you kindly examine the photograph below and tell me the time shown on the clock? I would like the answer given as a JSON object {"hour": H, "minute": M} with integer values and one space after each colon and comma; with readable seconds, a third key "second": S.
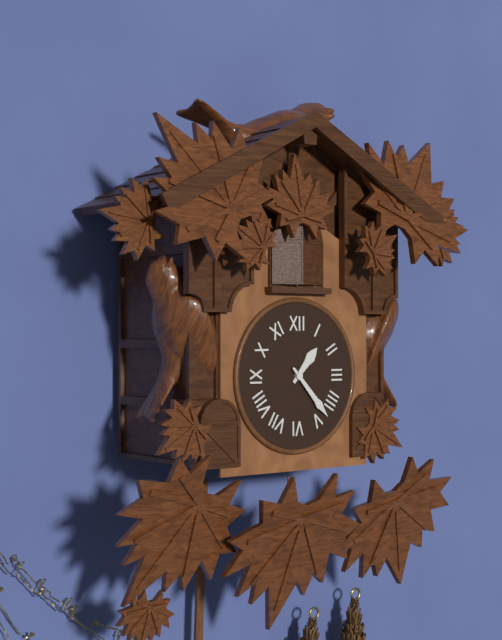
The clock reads {"hour": 1, "minute": 23}
